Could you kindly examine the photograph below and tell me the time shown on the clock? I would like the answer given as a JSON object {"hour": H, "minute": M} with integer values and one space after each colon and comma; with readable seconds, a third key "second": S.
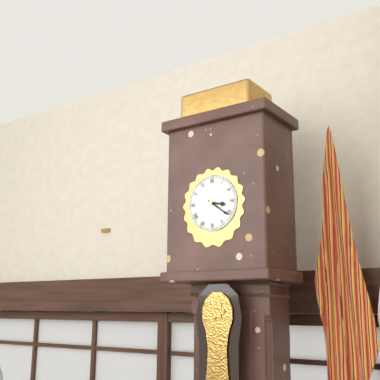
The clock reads {"hour": 3, "minute": 21}
